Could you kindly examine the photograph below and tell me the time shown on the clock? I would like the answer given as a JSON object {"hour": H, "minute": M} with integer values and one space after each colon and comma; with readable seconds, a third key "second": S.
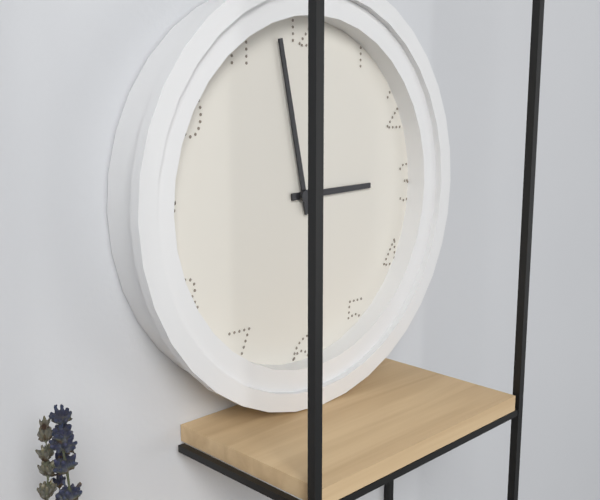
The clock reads {"hour": 2, "minute": 58}
